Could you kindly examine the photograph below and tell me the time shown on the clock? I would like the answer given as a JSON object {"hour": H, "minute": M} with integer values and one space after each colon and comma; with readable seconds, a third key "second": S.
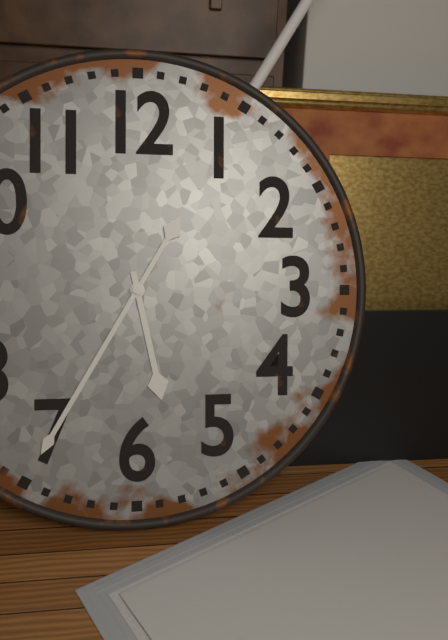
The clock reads {"hour": 5, "minute": 35}
